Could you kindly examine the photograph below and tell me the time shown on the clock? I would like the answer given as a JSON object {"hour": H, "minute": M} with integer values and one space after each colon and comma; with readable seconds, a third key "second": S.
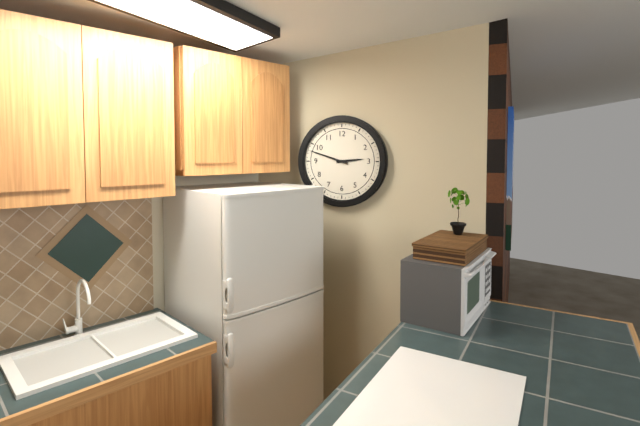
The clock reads {"hour": 2, "minute": 48}
